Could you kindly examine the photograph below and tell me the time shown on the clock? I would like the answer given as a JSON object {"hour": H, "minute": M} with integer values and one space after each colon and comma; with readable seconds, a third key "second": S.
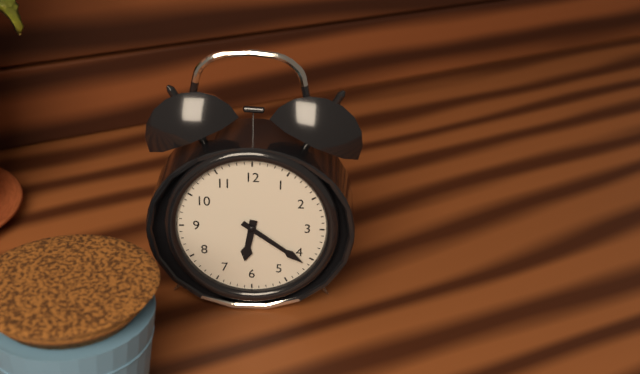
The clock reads {"hour": 6, "minute": 21}
